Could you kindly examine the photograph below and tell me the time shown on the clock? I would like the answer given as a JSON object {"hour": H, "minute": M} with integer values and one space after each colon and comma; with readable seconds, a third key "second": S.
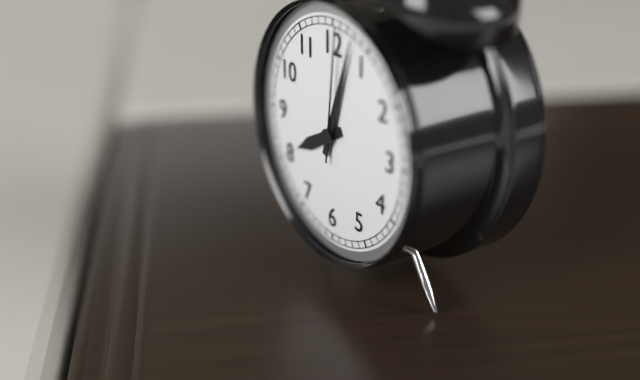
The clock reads {"hour": 8, "minute": 3, "second": 1}
